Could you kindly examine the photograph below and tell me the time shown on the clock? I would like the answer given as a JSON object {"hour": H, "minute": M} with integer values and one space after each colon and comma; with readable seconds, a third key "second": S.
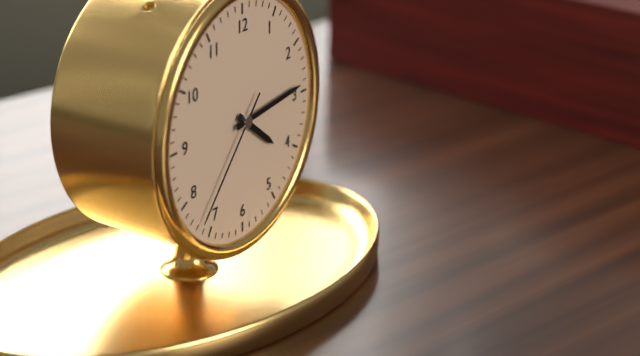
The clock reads {"hour": 4, "minute": 14, "second": 37}
